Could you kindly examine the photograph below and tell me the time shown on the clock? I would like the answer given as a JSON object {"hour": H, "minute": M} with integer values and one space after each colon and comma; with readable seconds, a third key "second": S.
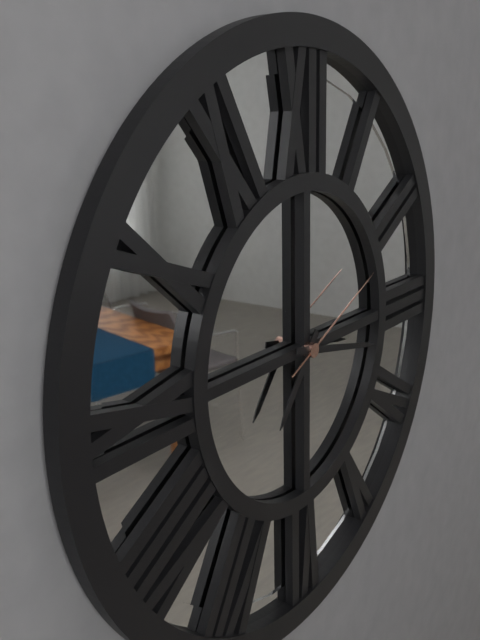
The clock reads {"hour": 7, "minute": 17, "second": 11}
